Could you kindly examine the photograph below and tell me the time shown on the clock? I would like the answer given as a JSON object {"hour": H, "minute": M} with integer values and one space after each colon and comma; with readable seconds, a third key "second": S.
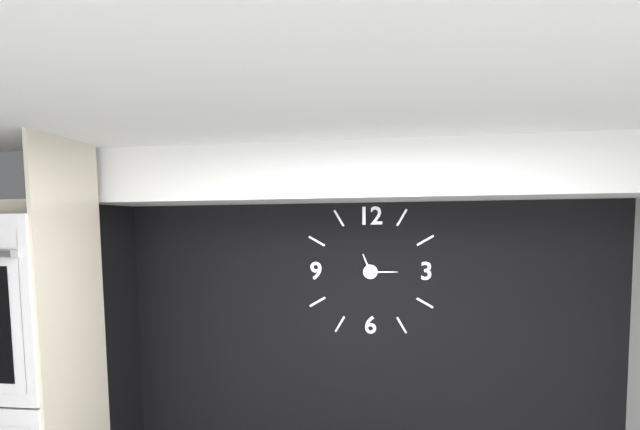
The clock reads {"hour": 11, "minute": 15}
